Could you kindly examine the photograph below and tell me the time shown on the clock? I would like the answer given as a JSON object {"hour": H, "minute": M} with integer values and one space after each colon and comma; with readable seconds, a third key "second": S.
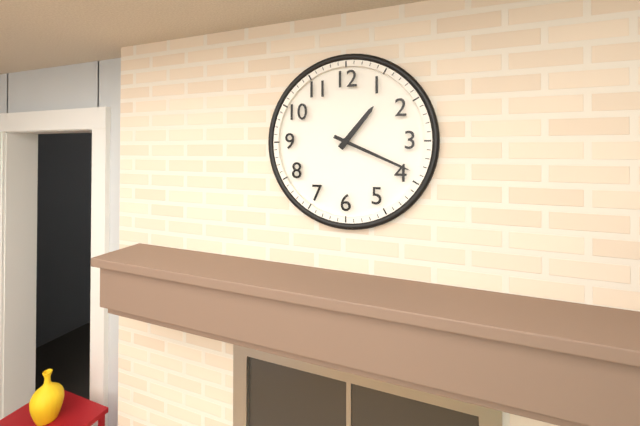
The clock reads {"hour": 1, "minute": 19}
